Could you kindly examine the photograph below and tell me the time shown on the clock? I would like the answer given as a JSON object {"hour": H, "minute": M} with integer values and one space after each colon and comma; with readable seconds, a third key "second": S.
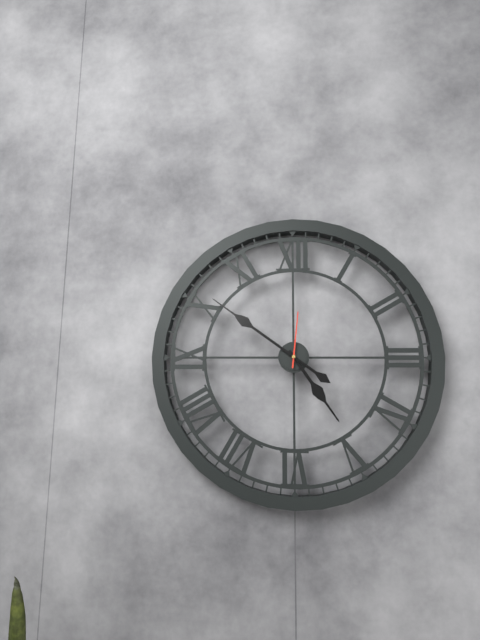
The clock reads {"hour": 4, "minute": 51, "second": 1}
